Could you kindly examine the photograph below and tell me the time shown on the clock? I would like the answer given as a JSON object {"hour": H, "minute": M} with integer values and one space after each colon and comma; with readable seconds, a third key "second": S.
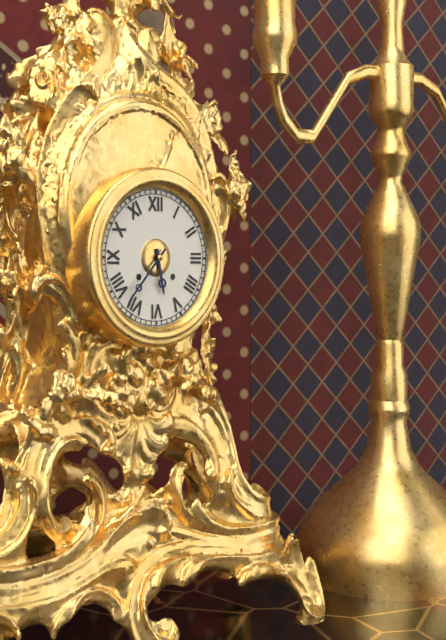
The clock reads {"hour": 5, "minute": 37}
